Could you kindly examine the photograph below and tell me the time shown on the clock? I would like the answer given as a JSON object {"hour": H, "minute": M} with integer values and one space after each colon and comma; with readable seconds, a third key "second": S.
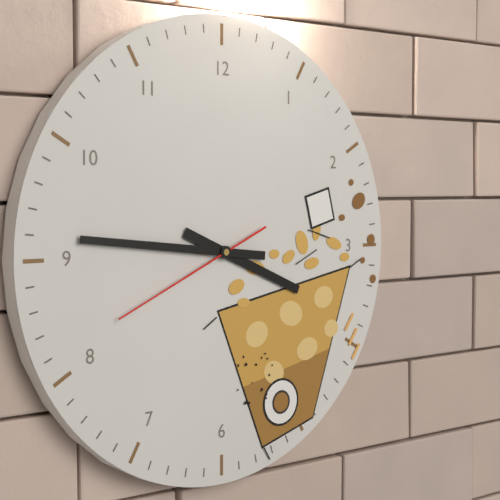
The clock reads {"hour": 3, "minute": 46, "second": 41}
